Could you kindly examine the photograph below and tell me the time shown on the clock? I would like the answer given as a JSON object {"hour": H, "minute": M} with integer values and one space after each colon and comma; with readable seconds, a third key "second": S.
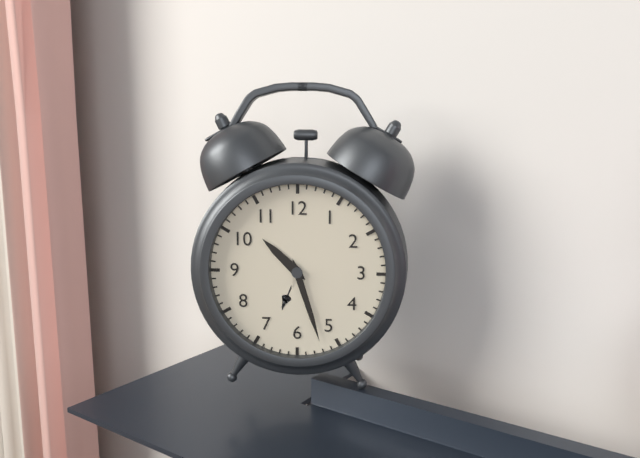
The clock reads {"hour": 10, "minute": 27}
